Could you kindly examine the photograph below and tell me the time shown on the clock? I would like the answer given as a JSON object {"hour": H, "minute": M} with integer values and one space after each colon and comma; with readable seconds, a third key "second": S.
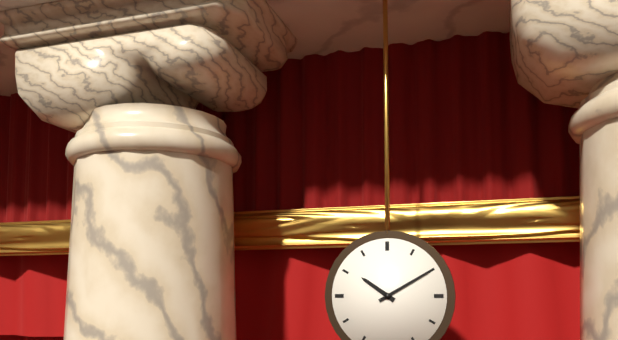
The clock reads {"hour": 10, "minute": 10}
